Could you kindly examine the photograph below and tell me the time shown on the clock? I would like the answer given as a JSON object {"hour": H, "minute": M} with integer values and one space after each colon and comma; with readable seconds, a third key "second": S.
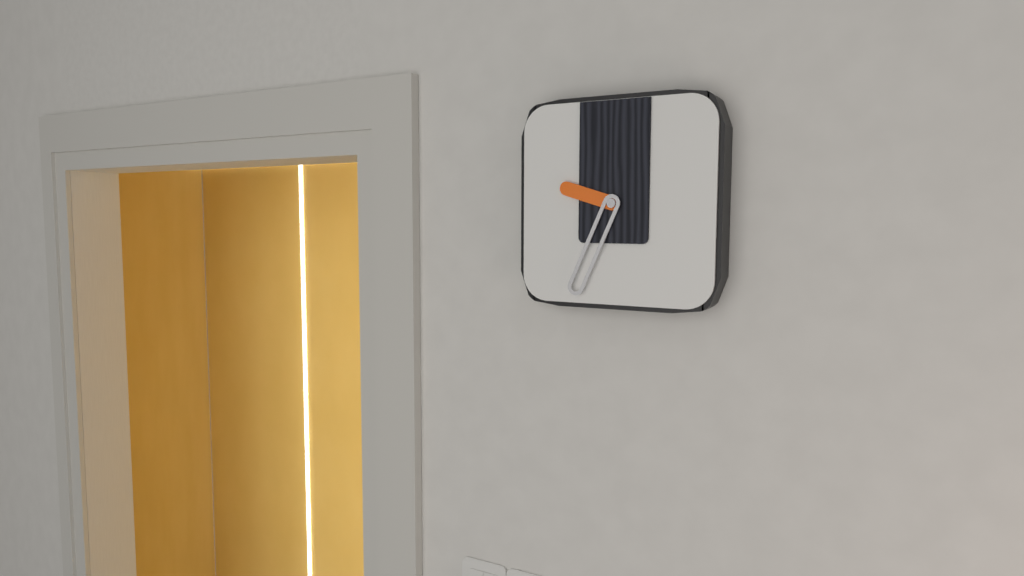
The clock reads {"hour": 9, "minute": 34}
